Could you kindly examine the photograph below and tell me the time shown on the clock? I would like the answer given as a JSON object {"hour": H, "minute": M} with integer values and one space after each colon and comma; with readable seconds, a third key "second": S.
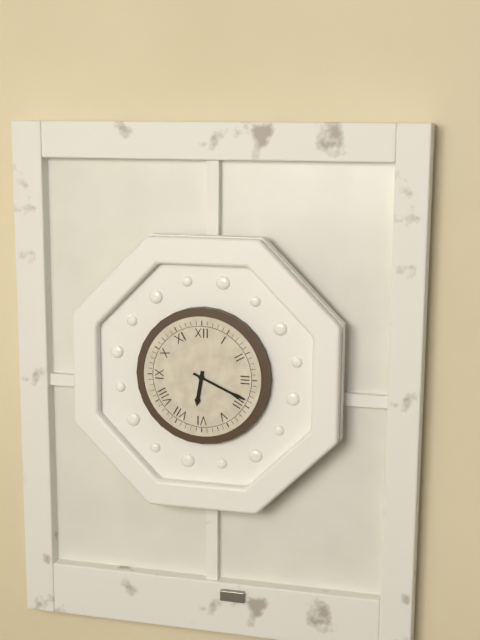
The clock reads {"hour": 6, "minute": 19}
